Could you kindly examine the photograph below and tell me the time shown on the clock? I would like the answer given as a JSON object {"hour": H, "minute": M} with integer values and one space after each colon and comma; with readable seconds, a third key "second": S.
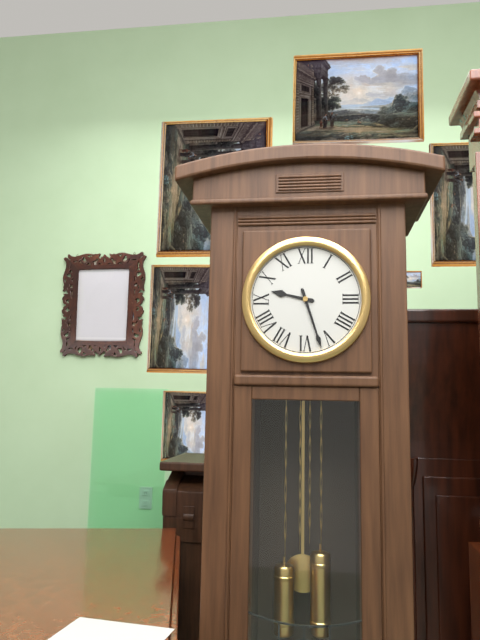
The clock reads {"hour": 9, "minute": 27}
